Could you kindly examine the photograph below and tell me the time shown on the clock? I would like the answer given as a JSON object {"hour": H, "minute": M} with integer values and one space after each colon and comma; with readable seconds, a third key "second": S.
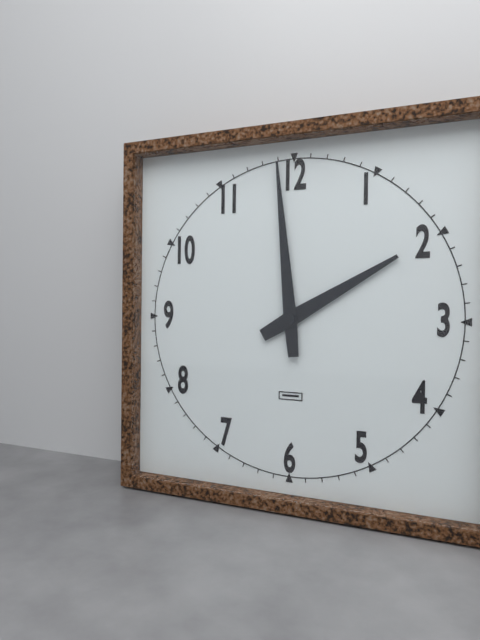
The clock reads {"hour": 1, "minute": 59}
